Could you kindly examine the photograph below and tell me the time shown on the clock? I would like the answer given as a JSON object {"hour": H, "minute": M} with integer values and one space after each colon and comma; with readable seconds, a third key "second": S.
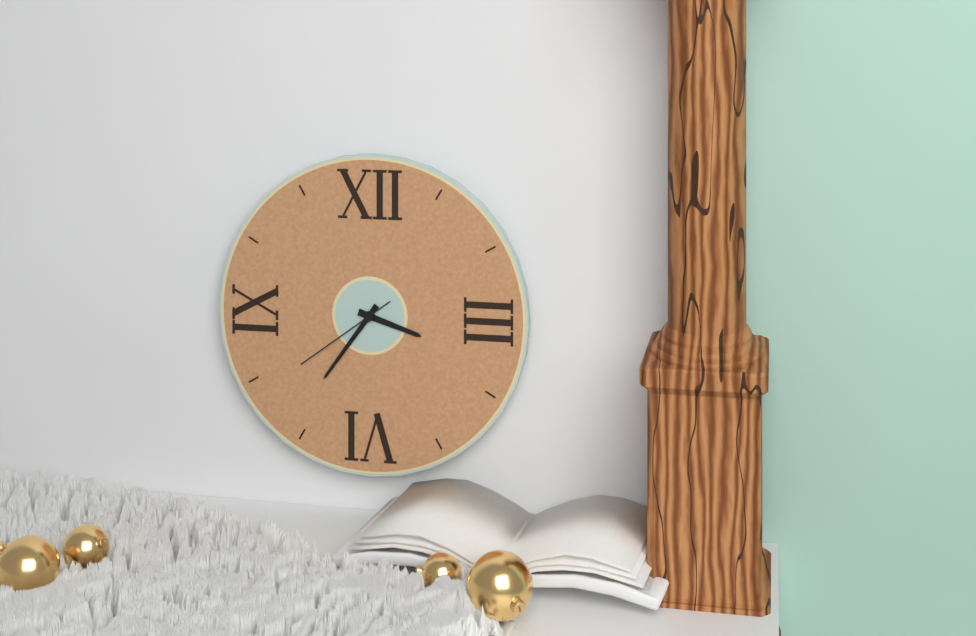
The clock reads {"hour": 3, "minute": 36, "second": 39}
